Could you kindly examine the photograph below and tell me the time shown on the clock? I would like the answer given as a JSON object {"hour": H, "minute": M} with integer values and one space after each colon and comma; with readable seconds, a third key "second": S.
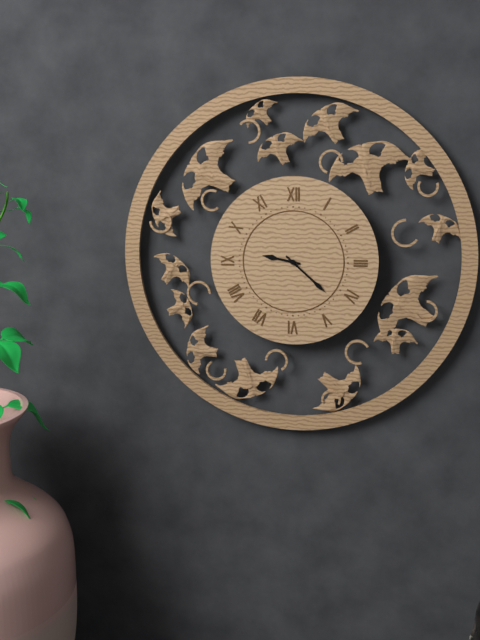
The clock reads {"hour": 9, "minute": 22}
